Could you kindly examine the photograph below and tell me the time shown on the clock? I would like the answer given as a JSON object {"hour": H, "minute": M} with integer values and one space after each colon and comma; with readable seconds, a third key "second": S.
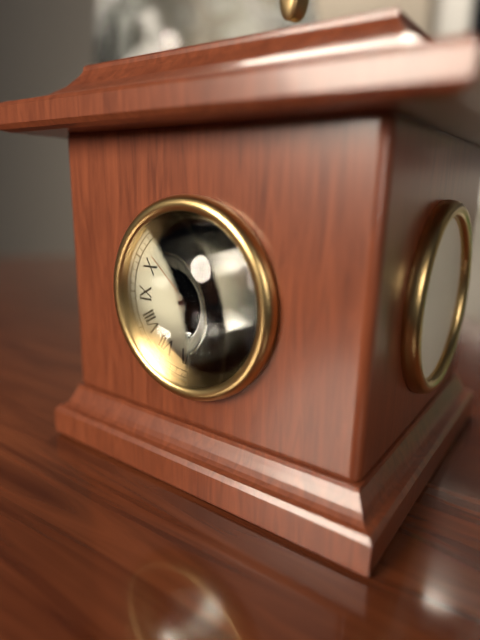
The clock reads {"hour": 3, "minute": 12, "second": 52}
